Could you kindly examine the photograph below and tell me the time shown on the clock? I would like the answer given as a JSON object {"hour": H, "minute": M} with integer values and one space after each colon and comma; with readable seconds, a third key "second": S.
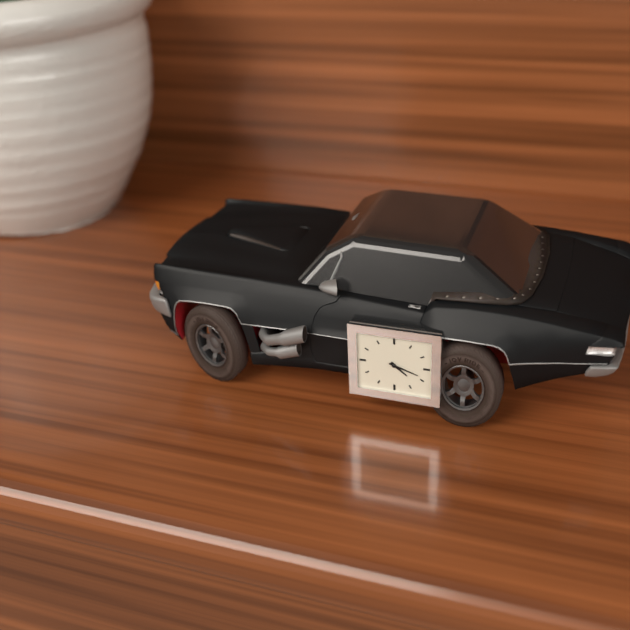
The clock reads {"hour": 4, "minute": 18}
